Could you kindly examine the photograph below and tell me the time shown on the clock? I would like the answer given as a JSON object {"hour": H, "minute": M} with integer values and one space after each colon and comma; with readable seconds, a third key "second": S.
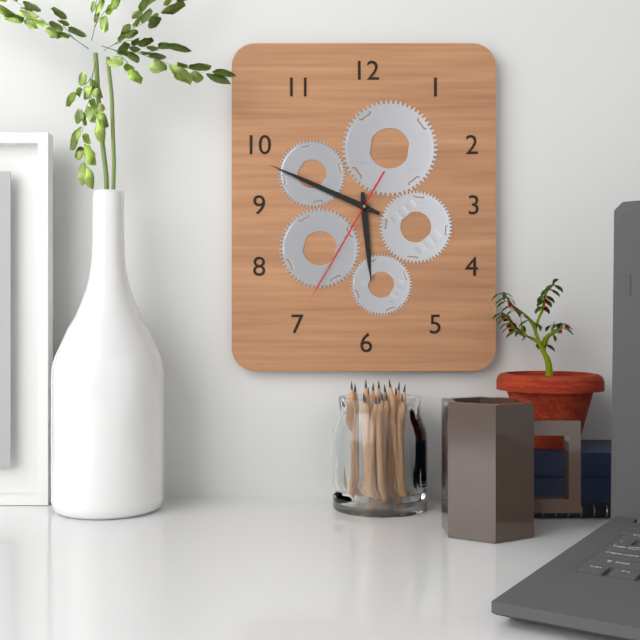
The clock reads {"hour": 5, "minute": 49, "second": 35}
